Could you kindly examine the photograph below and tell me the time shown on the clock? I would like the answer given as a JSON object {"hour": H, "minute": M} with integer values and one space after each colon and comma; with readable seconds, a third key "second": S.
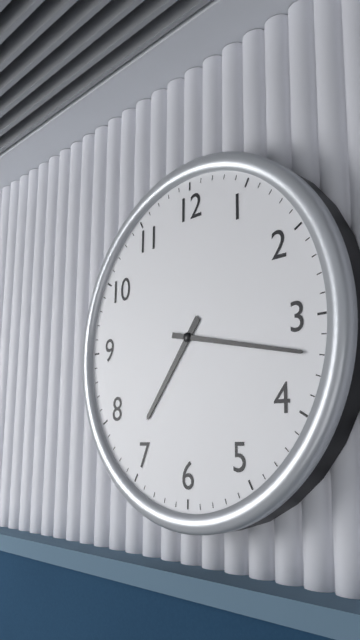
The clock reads {"hour": 7, "minute": 17}
